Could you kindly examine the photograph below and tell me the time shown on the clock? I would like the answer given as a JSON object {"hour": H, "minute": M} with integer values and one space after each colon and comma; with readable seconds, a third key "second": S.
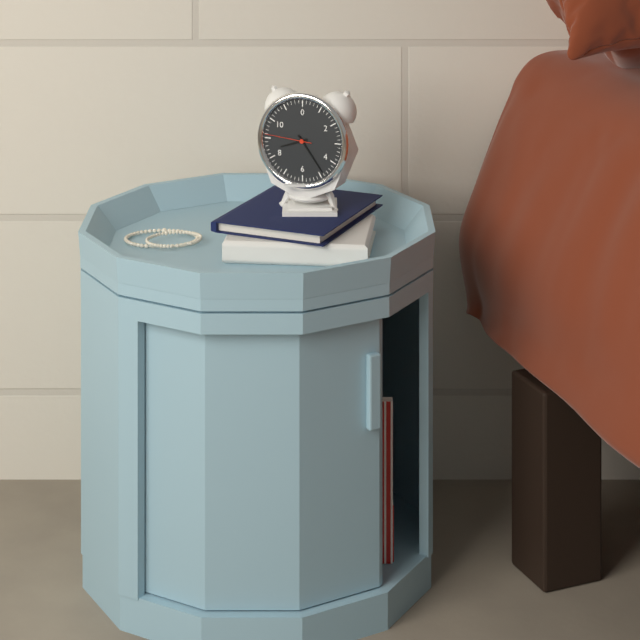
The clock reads {"hour": 8, "minute": 24}
